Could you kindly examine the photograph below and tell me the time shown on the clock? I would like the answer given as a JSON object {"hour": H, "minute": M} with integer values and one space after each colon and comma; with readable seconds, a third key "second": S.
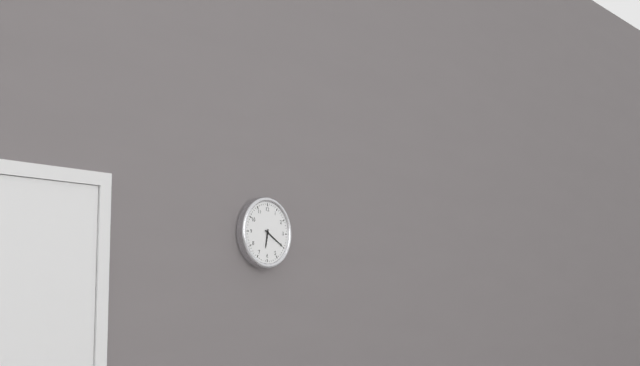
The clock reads {"hour": 6, "minute": 20}
